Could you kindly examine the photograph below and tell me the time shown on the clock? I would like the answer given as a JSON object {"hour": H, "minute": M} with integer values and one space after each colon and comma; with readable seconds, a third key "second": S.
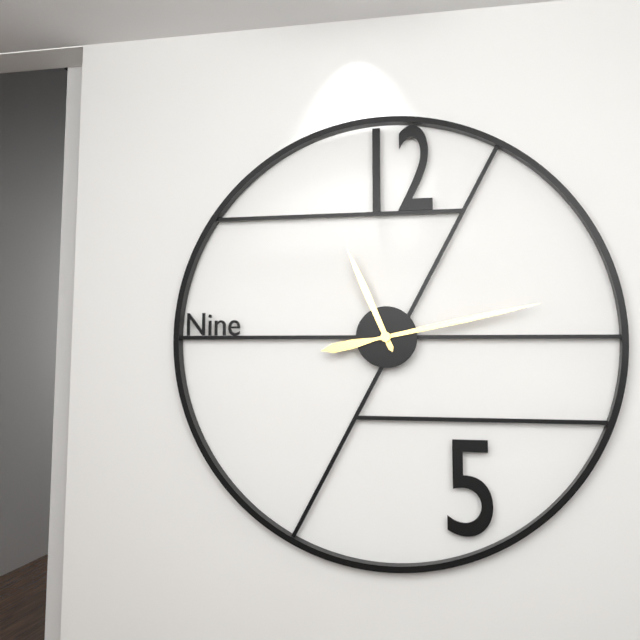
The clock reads {"hour": 11, "minute": 13}
